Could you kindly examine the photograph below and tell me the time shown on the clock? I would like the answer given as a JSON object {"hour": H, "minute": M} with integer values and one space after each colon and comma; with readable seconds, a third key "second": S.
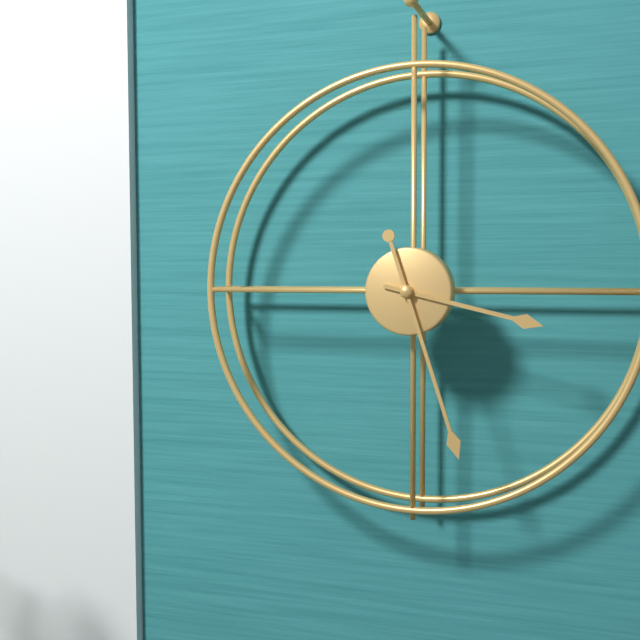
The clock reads {"hour": 3, "minute": 27}
